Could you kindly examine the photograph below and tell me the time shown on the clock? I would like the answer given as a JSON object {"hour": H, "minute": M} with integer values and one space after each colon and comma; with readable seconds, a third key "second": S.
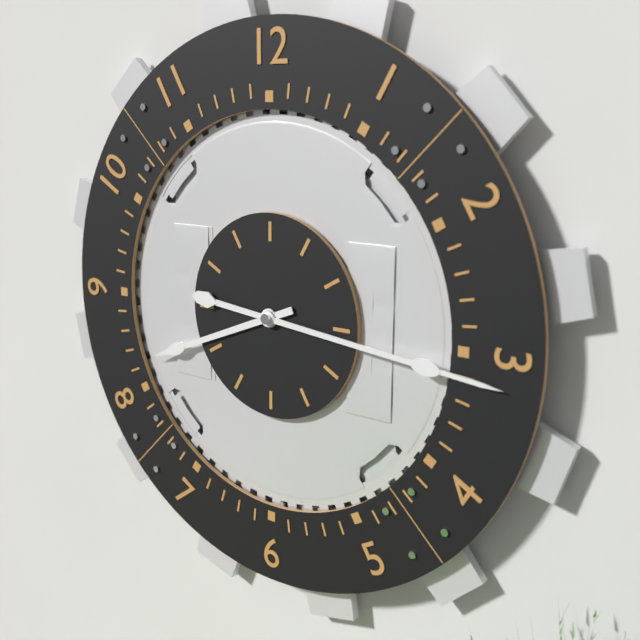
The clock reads {"hour": 8, "minute": 16}
